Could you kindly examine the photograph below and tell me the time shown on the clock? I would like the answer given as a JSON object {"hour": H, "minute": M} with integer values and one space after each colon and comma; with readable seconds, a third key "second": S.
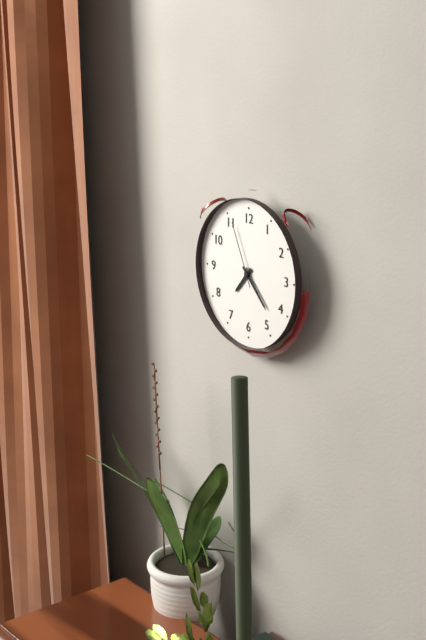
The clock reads {"hour": 7, "minute": 23, "second": 56}
